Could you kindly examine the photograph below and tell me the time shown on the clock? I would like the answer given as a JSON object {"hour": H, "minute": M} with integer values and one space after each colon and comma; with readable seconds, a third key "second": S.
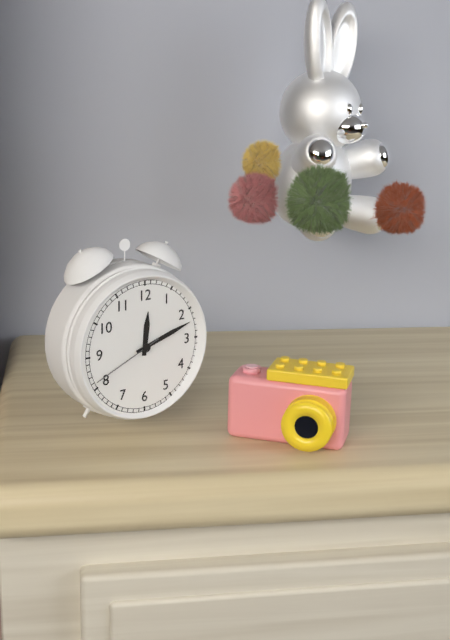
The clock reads {"hour": 12, "minute": 12, "second": 41}
